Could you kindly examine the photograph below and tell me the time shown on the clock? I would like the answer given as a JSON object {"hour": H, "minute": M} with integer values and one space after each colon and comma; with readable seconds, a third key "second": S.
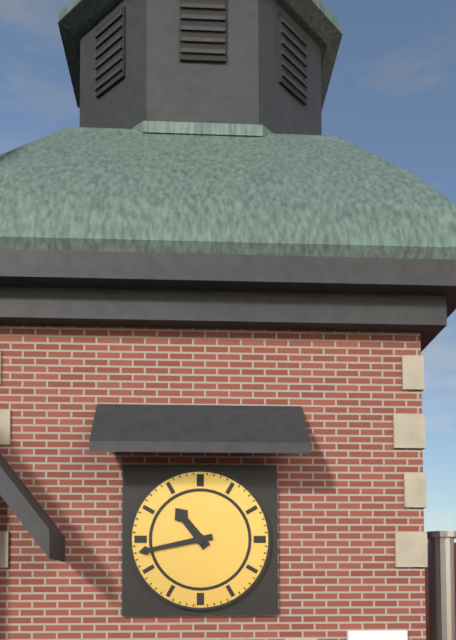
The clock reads {"hour": 10, "minute": 43}
